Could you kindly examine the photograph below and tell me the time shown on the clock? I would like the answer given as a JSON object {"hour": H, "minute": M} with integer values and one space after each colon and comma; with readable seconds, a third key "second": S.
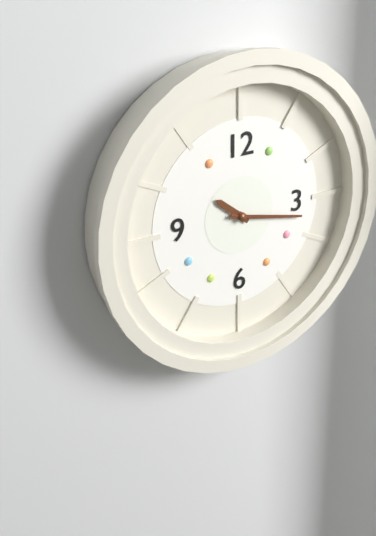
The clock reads {"hour": 10, "minute": 17}
